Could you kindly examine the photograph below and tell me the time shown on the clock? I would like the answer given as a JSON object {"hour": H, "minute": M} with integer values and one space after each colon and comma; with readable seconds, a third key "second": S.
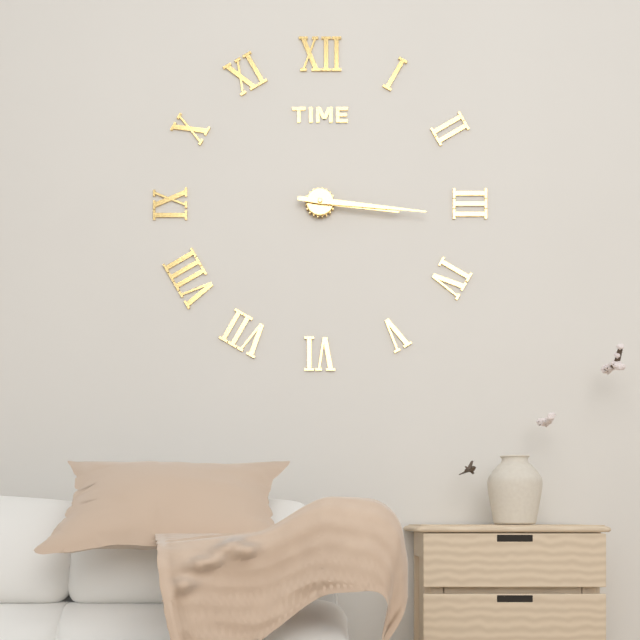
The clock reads {"hour": 3, "minute": 16}
